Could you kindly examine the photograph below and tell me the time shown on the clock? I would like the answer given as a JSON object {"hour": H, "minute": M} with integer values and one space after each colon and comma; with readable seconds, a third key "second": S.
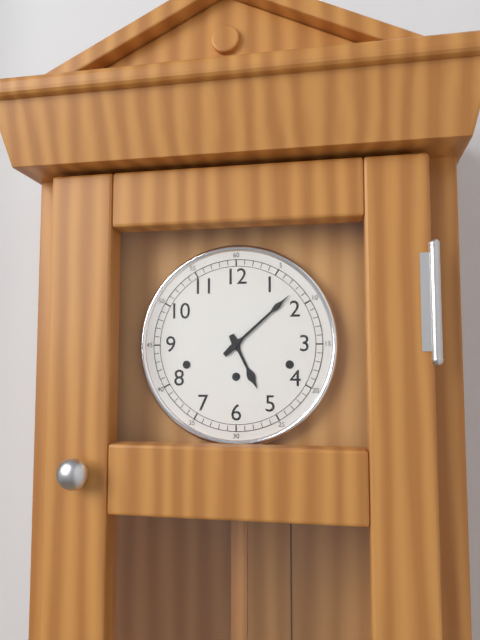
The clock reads {"hour": 5, "minute": 8}
